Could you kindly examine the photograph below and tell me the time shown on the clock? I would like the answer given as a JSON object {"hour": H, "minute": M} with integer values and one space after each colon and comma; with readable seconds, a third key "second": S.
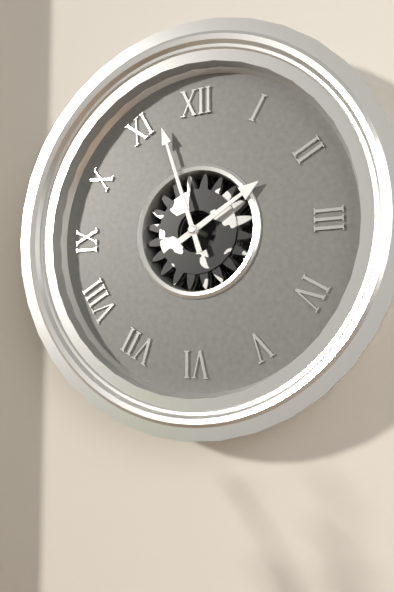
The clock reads {"hour": 1, "minute": 57}
